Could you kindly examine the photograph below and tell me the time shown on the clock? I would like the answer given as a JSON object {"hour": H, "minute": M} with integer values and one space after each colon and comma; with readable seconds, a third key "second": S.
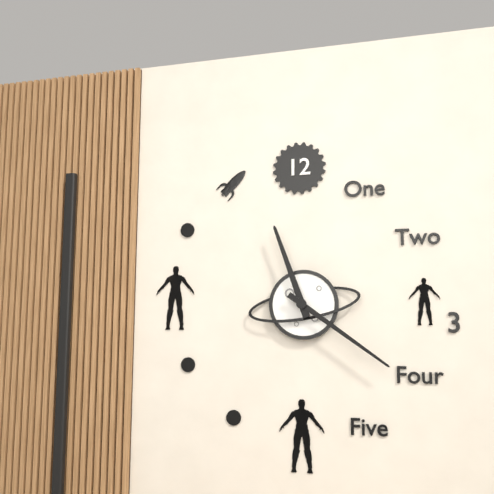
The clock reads {"hour": 11, "minute": 21}
